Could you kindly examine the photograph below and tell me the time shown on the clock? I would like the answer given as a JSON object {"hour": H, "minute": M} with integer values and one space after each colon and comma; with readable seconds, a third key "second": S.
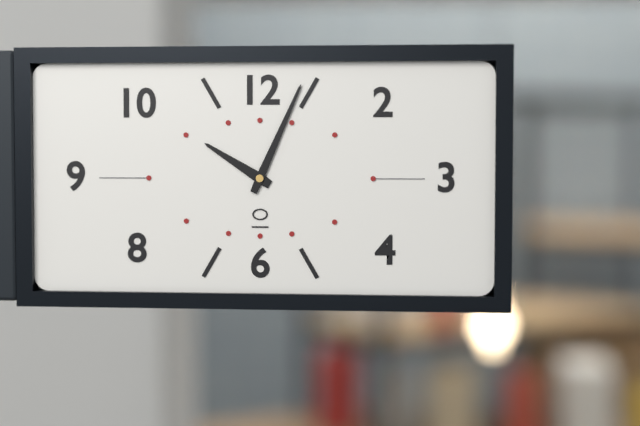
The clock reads {"hour": 10, "minute": 4}
